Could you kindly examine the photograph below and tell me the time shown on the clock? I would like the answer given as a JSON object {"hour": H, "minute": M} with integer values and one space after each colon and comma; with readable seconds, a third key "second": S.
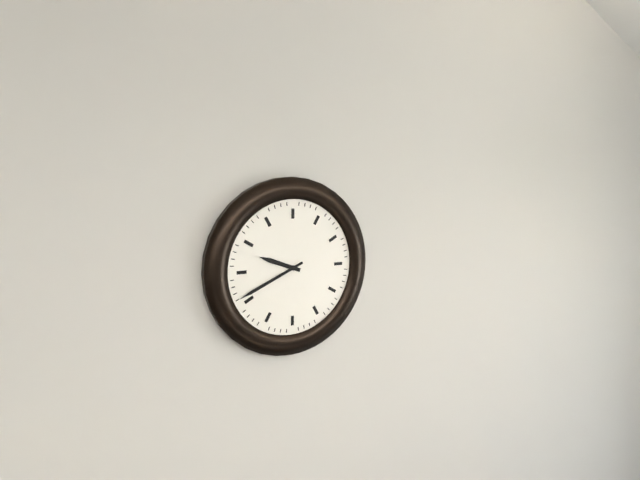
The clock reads {"hour": 9, "minute": 41}
